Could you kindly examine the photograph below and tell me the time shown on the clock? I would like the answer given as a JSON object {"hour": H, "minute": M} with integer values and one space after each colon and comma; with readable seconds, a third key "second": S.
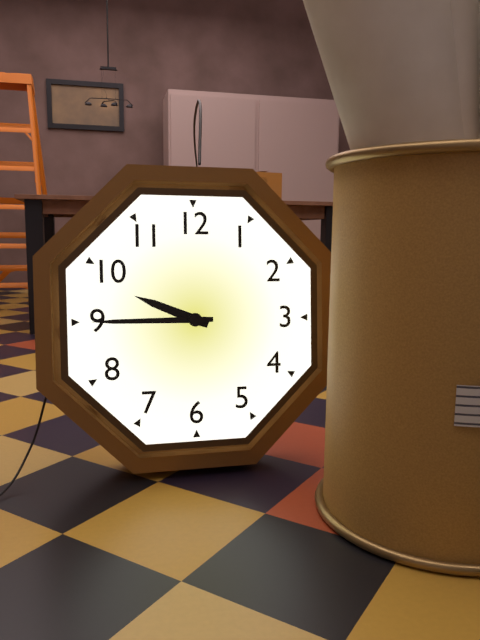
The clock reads {"hour": 9, "minute": 45}
